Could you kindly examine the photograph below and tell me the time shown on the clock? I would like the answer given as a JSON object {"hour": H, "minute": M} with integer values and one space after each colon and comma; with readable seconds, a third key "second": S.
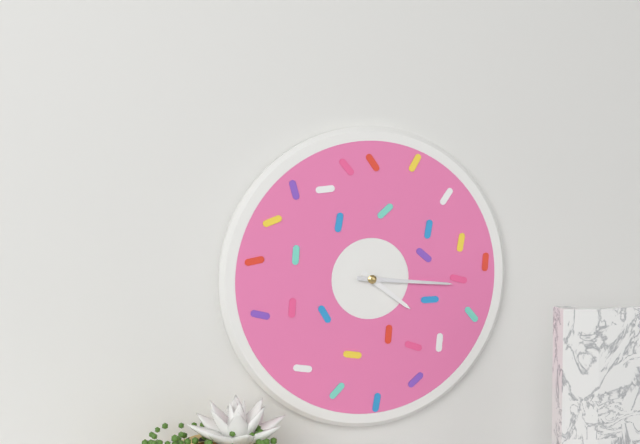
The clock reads {"hour": 4, "minute": 16}
